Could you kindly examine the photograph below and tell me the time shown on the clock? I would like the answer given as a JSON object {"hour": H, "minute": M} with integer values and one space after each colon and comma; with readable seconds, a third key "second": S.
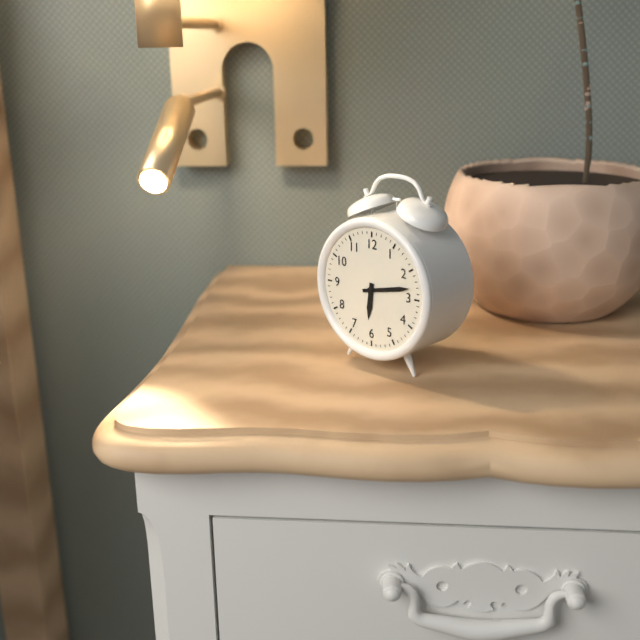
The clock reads {"hour": 6, "minute": 13}
